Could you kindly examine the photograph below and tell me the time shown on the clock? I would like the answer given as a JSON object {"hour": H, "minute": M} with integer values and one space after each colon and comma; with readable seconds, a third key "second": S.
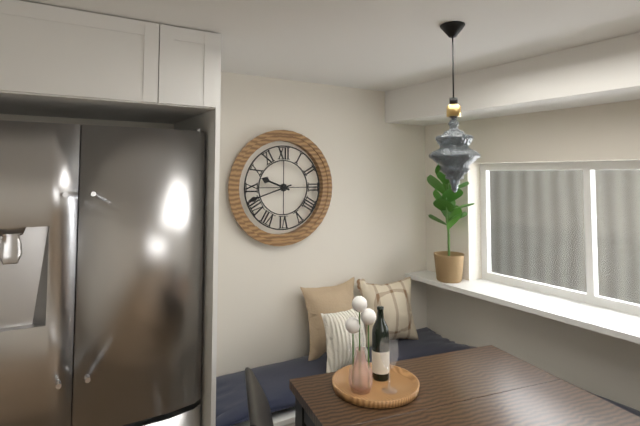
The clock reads {"hour": 9, "minute": 42}
